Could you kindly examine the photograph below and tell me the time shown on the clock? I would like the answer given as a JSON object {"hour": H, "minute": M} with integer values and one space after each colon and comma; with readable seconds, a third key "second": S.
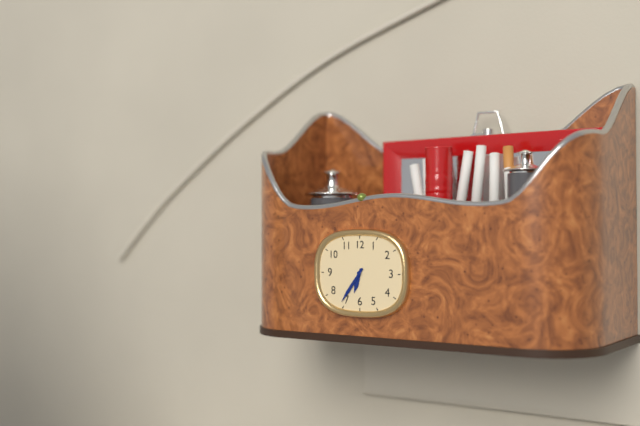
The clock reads {"hour": 6, "minute": 36}
